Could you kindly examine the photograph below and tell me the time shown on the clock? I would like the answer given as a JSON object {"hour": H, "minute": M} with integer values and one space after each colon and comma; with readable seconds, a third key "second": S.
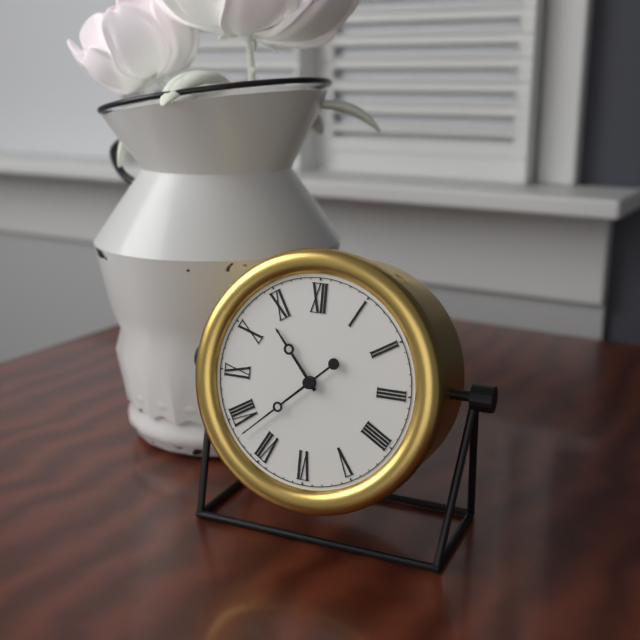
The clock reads {"hour": 10, "minute": 38}
